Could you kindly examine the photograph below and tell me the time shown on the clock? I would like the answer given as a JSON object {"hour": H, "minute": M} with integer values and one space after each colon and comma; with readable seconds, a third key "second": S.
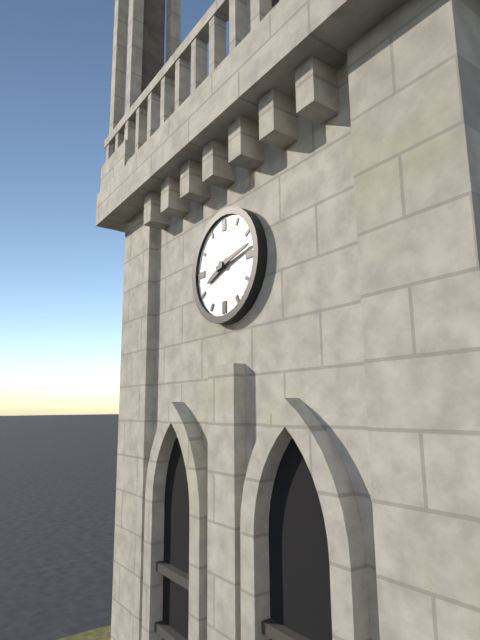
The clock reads {"hour": 8, "minute": 13}
